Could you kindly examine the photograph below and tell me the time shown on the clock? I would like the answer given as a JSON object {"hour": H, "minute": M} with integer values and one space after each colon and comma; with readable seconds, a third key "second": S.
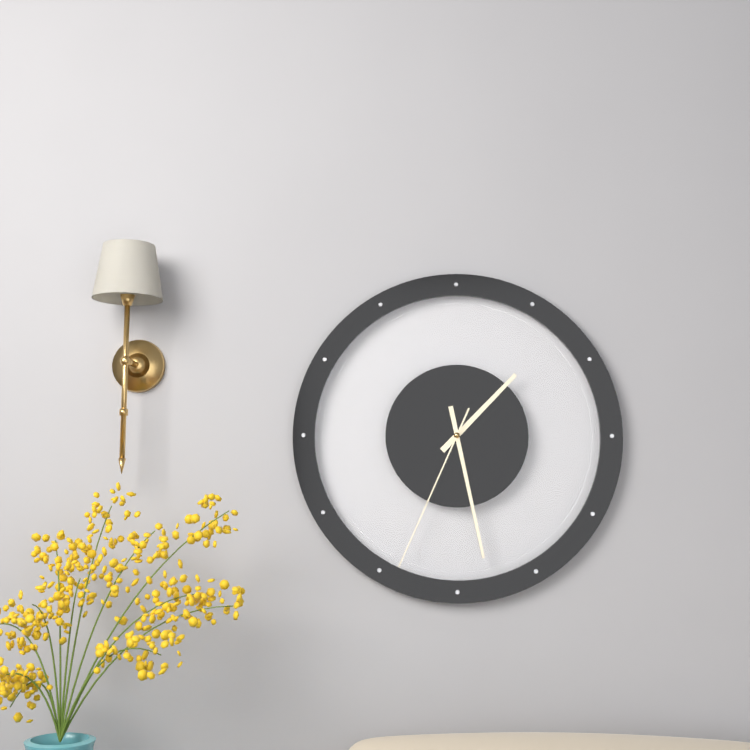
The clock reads {"hour": 1, "minute": 28, "second": 34}
